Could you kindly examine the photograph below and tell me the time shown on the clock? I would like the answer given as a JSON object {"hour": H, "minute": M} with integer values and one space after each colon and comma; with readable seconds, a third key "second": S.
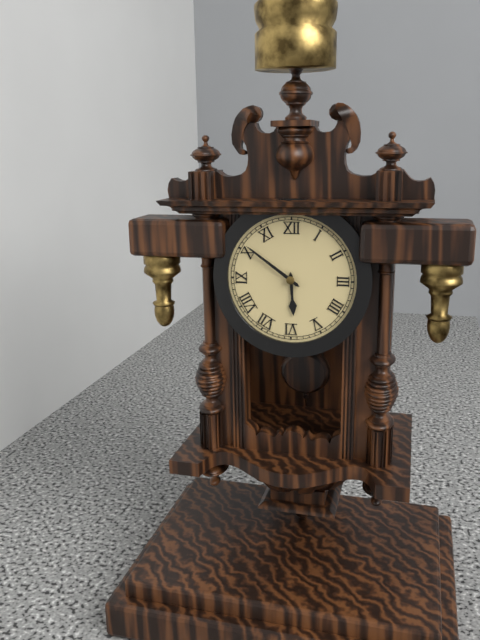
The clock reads {"hour": 5, "minute": 51}
